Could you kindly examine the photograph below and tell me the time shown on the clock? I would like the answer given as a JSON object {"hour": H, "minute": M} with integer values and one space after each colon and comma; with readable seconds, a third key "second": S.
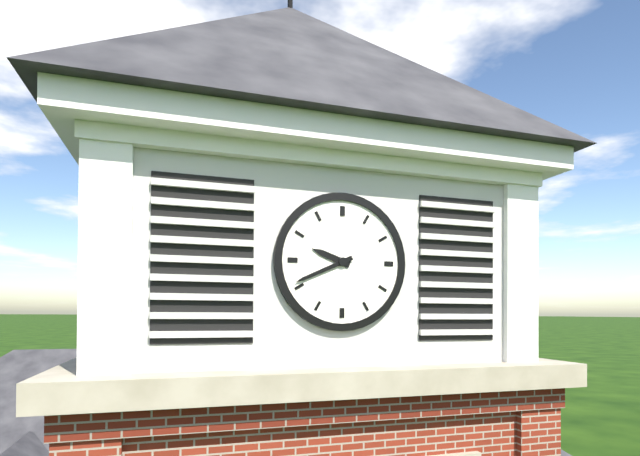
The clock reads {"hour": 9, "minute": 41}
